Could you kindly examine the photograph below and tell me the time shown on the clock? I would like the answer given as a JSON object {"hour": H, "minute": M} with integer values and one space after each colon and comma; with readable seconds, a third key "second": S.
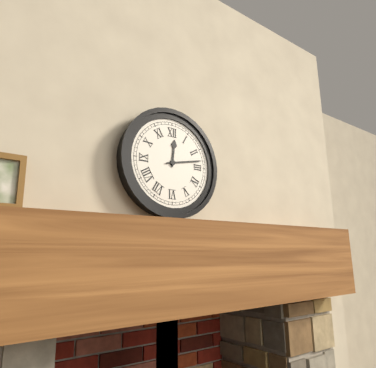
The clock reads {"hour": 12, "minute": 13}
